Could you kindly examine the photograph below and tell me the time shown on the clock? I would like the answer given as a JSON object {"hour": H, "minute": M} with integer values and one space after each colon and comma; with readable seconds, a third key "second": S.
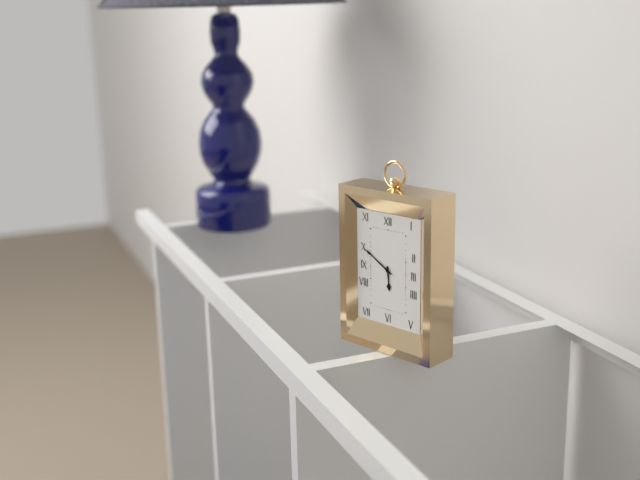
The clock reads {"hour": 5, "minute": 50}
